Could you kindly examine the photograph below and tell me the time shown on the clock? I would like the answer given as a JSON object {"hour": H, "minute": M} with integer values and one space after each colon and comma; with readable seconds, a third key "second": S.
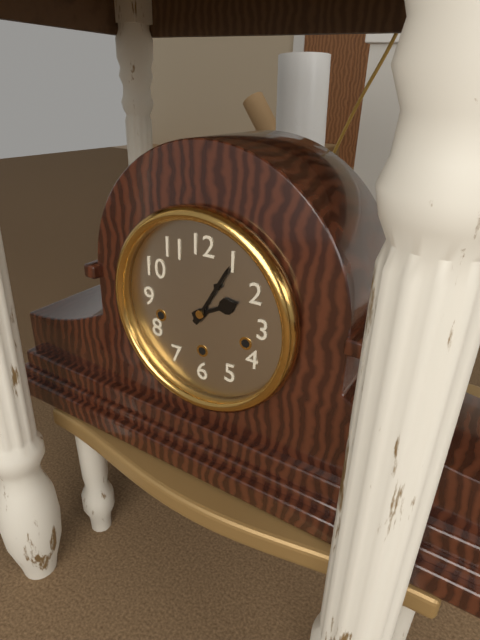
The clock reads {"hour": 2, "minute": 5}
